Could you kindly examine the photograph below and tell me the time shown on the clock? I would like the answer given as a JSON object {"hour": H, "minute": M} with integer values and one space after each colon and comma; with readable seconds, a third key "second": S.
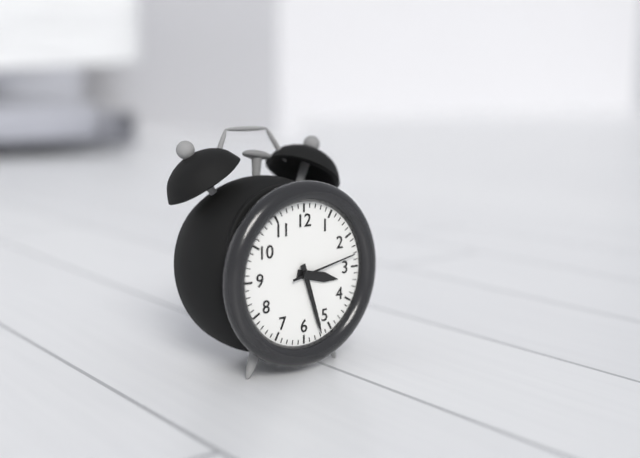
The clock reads {"hour": 3, "minute": 27, "second": 13}
